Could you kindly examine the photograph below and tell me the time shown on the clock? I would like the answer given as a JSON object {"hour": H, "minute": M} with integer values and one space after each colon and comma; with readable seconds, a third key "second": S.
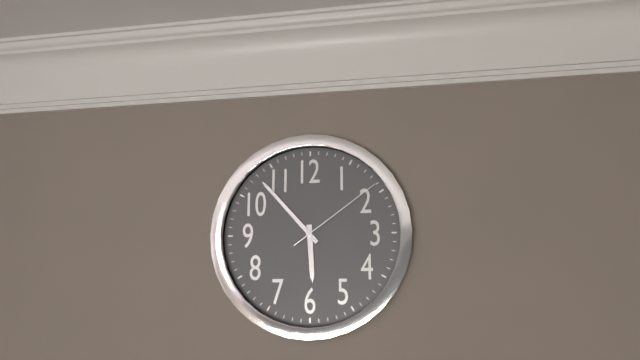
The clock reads {"hour": 5, "minute": 53, "second": 9}
